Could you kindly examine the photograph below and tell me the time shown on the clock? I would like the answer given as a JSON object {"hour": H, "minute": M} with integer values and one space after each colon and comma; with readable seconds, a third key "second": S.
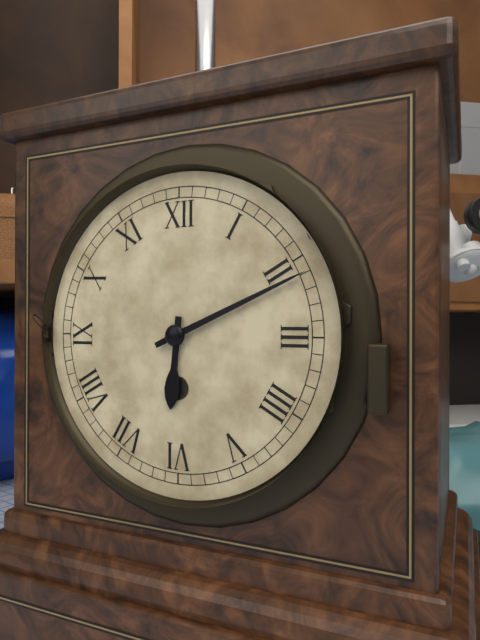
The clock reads {"hour": 6, "minute": 11}
